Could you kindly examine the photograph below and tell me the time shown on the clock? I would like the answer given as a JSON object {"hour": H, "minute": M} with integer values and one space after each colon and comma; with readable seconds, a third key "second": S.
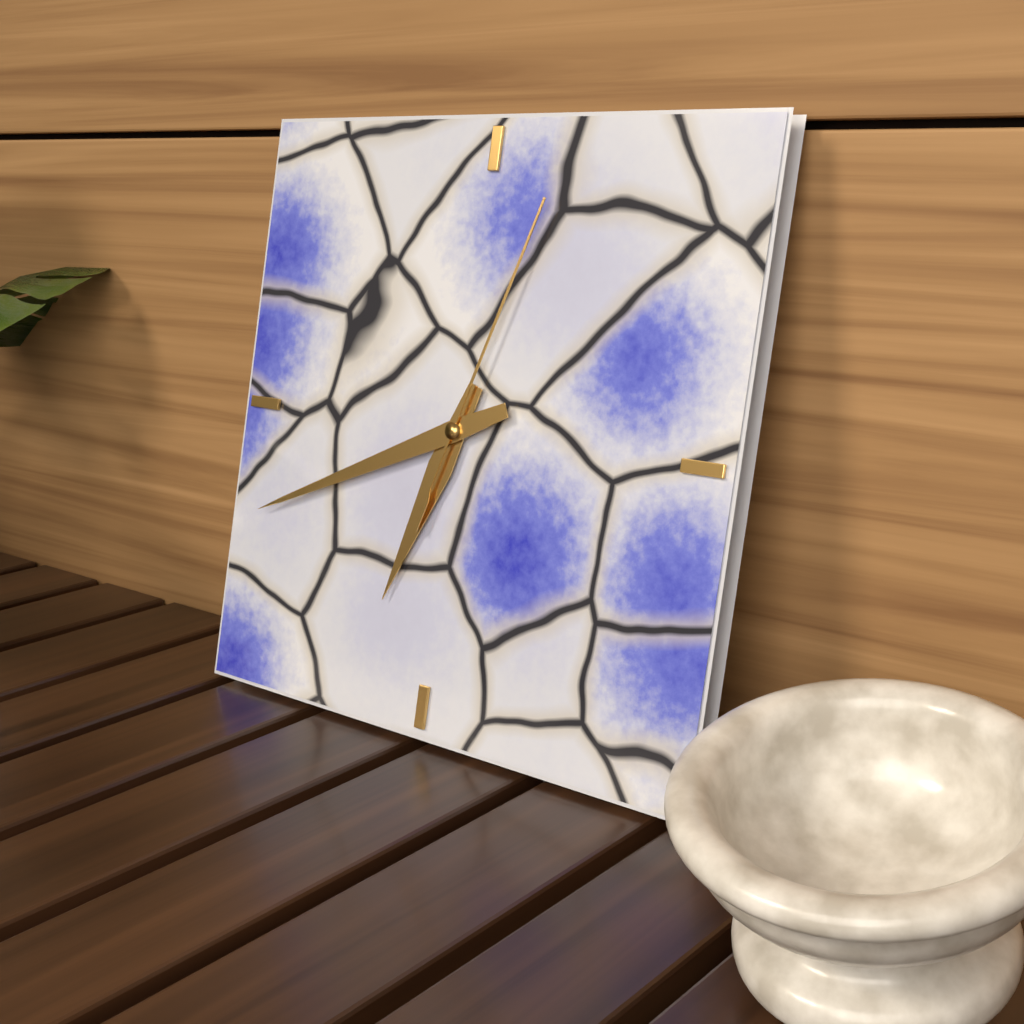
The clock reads {"hour": 6, "minute": 41, "second": 3}
